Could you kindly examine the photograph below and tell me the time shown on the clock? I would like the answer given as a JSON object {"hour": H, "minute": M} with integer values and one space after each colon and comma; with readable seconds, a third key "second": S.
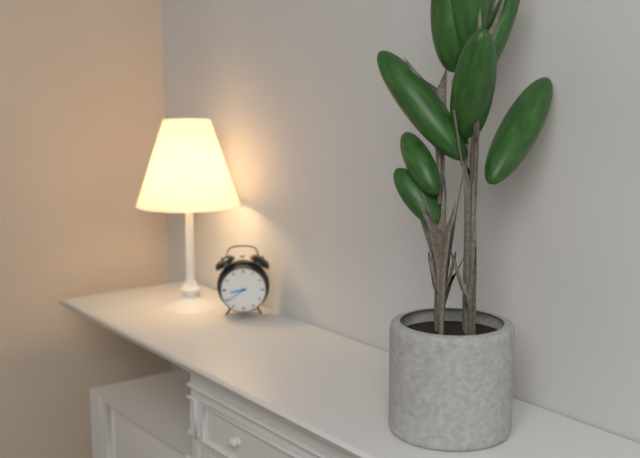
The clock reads {"hour": 8, "minute": 39}
